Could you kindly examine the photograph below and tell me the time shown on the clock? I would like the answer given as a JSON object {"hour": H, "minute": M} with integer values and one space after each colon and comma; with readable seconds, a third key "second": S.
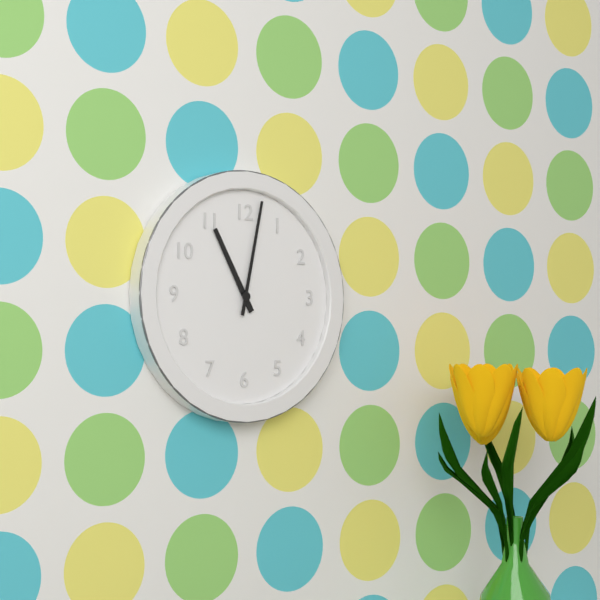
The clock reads {"hour": 11, "minute": 2}
